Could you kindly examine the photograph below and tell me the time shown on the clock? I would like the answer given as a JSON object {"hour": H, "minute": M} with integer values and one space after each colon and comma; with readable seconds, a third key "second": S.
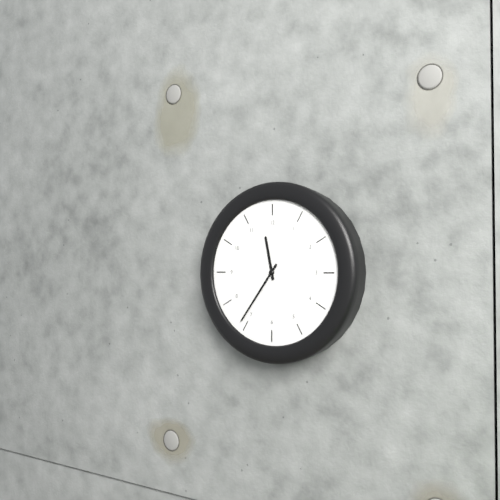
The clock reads {"hour": 11, "minute": 36}
